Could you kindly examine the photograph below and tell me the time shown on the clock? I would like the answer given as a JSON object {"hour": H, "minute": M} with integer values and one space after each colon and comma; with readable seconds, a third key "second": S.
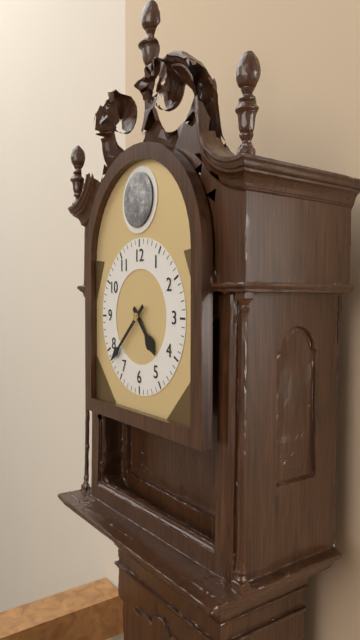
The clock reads {"hour": 4, "minute": 38}
